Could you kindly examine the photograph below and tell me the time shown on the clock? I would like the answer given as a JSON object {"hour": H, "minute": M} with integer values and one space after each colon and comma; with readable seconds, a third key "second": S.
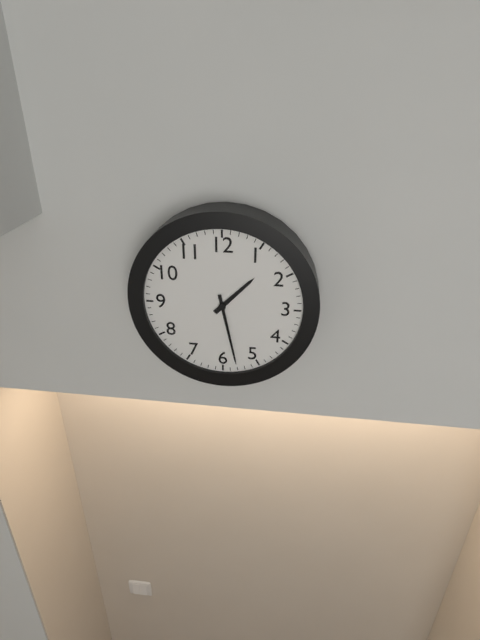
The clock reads {"hour": 1, "minute": 28}
